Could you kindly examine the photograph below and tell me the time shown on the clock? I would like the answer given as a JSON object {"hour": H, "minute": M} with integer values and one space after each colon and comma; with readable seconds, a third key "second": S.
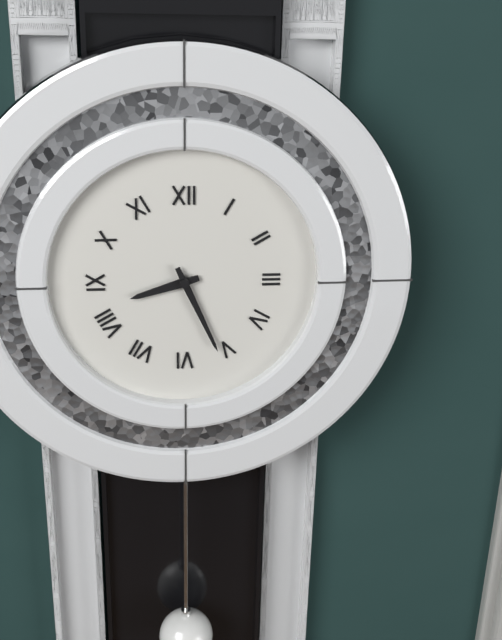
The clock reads {"hour": 8, "minute": 26}
